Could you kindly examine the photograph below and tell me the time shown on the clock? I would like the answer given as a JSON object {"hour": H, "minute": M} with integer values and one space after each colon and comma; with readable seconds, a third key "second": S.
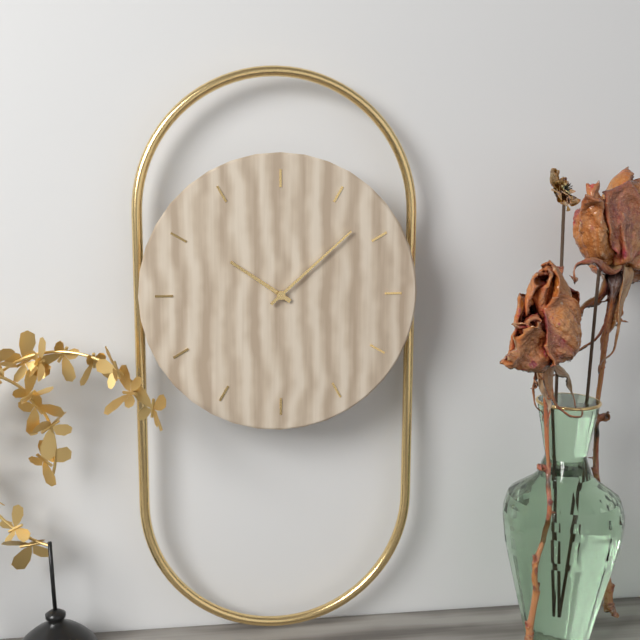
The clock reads {"hour": 10, "minute": 8}
